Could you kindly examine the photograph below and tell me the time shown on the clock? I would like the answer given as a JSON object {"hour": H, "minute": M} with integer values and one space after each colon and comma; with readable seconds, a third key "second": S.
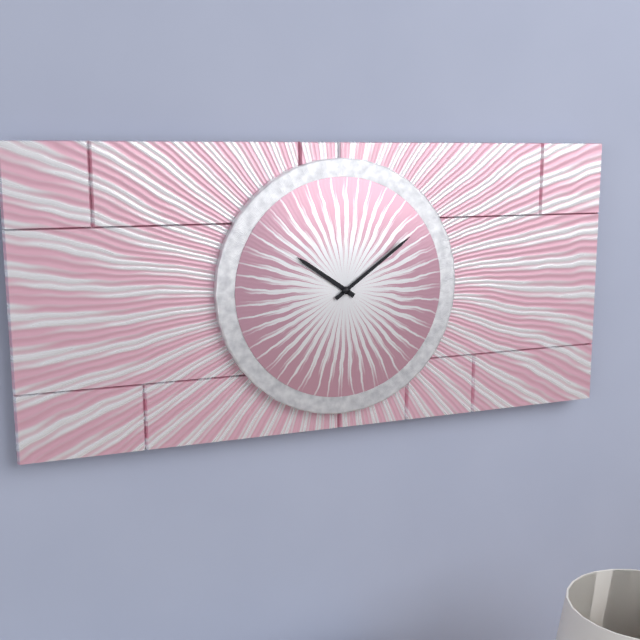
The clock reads {"hour": 10, "minute": 9}
